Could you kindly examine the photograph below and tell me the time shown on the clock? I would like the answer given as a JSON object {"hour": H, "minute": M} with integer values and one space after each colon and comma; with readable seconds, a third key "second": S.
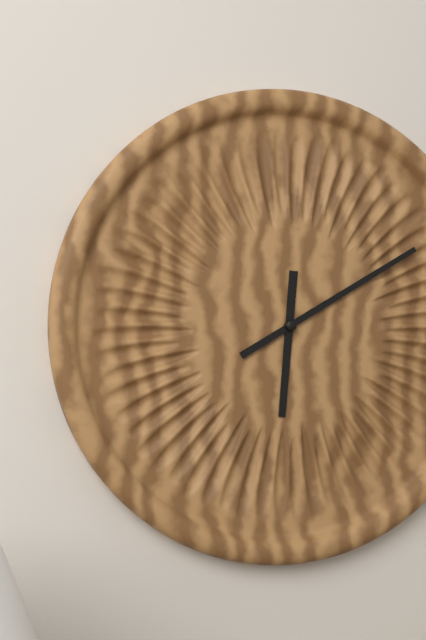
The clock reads {"hour": 6, "minute": 10}
